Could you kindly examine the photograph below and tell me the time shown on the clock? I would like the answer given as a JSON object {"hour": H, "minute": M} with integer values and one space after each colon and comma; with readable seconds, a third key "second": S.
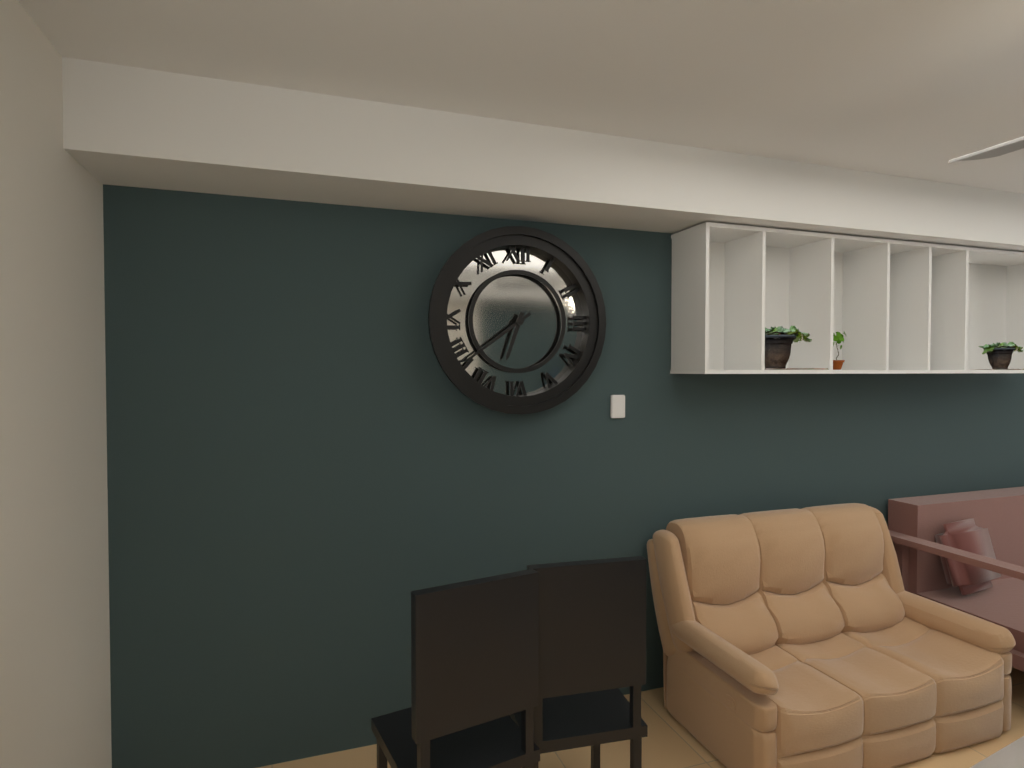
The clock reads {"hour": 6, "minute": 39}
